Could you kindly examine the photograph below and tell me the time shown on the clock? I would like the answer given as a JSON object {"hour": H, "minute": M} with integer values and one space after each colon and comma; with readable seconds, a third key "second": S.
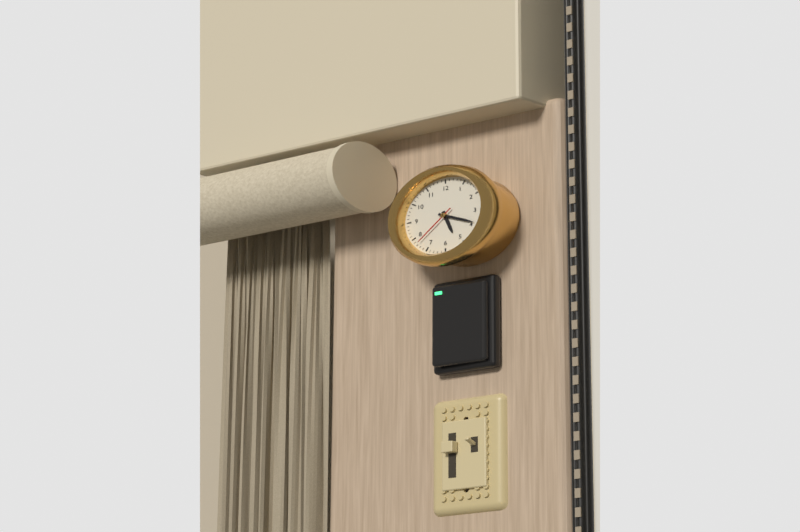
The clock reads {"hour": 5, "minute": 19}
